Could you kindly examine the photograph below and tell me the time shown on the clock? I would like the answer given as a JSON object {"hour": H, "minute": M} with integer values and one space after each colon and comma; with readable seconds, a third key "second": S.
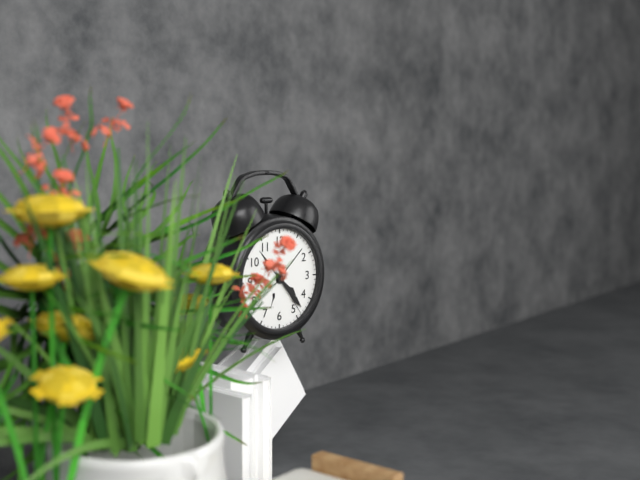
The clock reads {"hour": 4, "minute": 23, "second": 24}
